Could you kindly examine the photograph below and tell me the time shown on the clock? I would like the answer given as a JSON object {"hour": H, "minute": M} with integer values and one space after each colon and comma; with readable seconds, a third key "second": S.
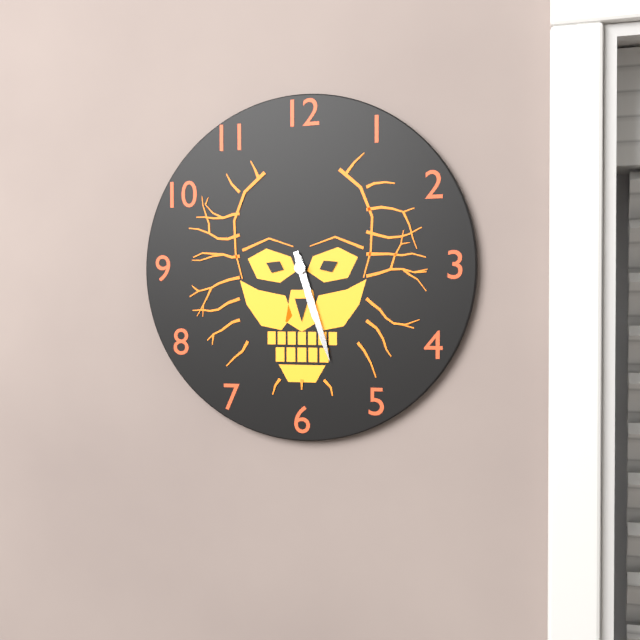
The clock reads {"hour": 5, "minute": 27}
